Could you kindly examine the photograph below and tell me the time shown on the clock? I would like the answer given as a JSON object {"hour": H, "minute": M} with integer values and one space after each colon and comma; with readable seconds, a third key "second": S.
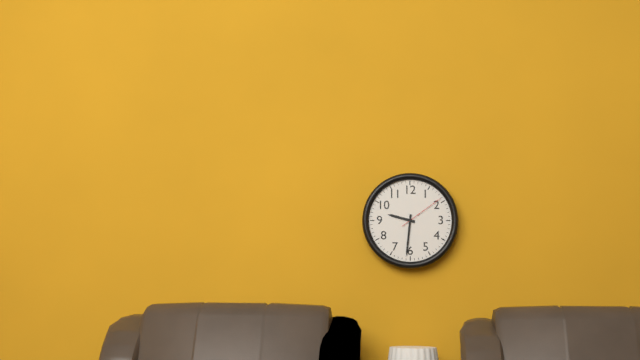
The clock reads {"hour": 9, "minute": 31}
